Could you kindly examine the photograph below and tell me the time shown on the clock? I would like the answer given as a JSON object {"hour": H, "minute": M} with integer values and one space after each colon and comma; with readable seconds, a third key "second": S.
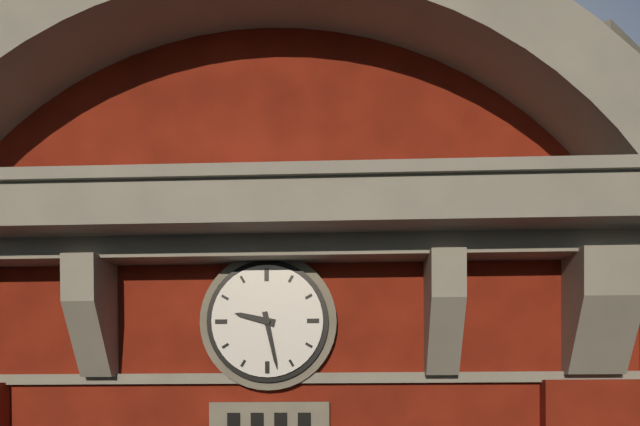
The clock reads {"hour": 9, "minute": 28}
